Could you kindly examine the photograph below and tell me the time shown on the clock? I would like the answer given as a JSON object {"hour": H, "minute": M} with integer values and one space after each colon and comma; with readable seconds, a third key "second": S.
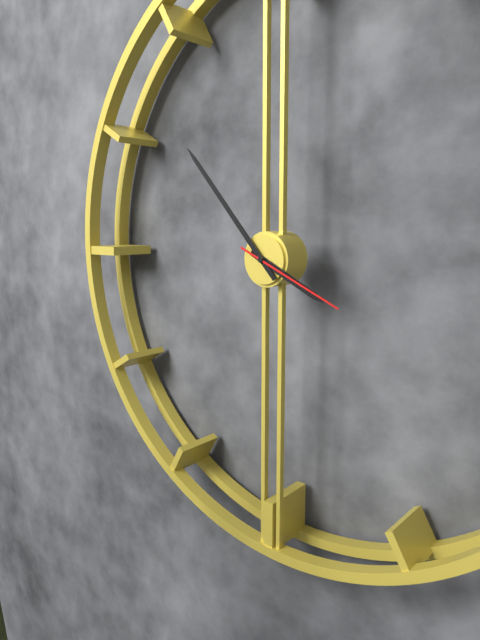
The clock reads {"hour": 3, "minute": 53, "second": 19}
